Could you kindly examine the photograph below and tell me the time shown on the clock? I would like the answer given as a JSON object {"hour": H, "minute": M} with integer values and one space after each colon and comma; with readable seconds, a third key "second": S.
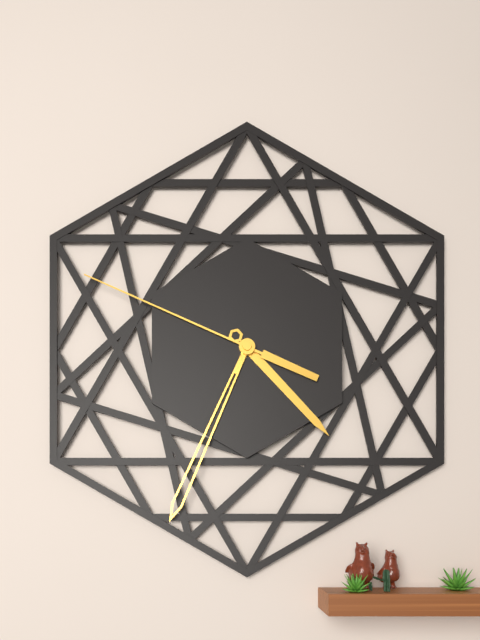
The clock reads {"hour": 4, "minute": 34, "second": 49}
